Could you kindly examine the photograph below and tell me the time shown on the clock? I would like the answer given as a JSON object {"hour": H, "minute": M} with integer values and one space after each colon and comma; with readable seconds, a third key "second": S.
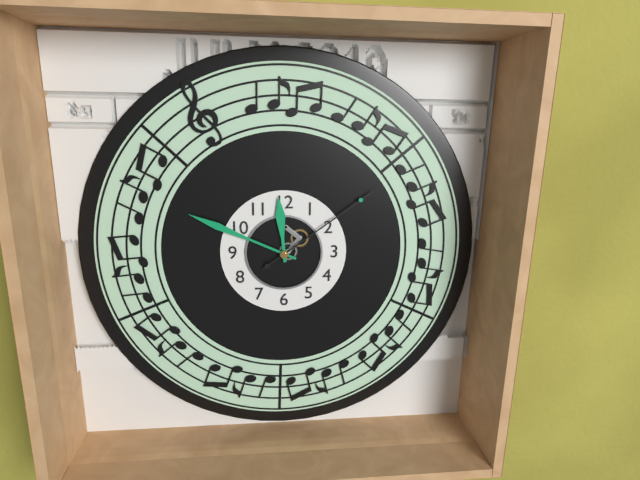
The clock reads {"hour": 11, "minute": 49, "second": 9}
